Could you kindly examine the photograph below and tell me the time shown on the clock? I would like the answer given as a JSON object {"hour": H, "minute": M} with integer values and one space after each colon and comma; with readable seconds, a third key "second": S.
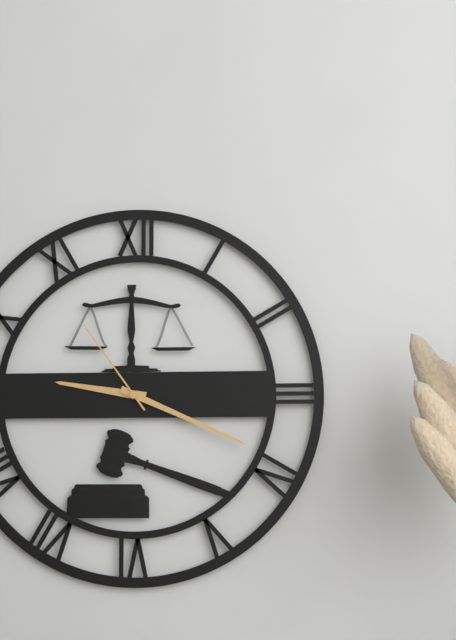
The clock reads {"hour": 9, "minute": 19, "second": 54}
